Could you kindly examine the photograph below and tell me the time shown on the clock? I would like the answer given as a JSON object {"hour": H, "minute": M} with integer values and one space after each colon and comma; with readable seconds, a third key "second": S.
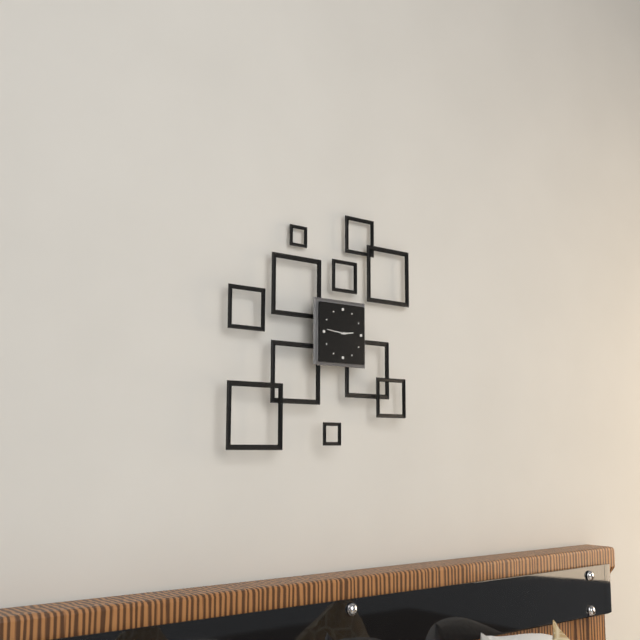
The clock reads {"hour": 2, "minute": 46}
